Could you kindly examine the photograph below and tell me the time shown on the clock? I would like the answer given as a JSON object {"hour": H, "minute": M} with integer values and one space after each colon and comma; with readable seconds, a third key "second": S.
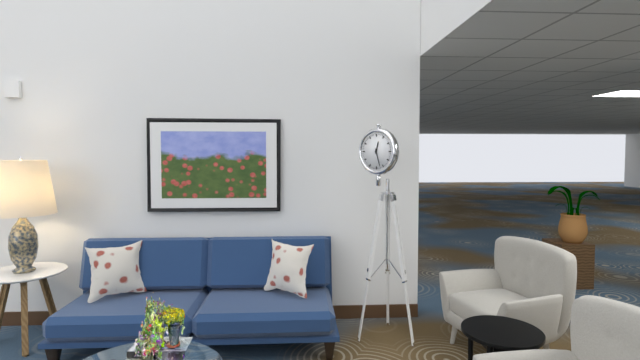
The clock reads {"hour": 12, "minute": 27}
